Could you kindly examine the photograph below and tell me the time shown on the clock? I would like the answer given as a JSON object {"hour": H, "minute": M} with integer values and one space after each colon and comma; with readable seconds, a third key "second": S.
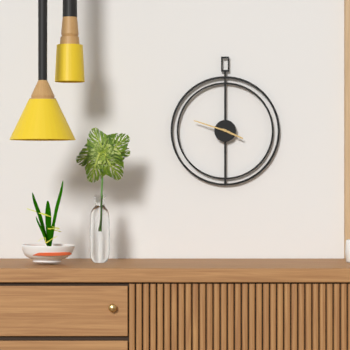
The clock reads {"hour": 3, "minute": 48}
